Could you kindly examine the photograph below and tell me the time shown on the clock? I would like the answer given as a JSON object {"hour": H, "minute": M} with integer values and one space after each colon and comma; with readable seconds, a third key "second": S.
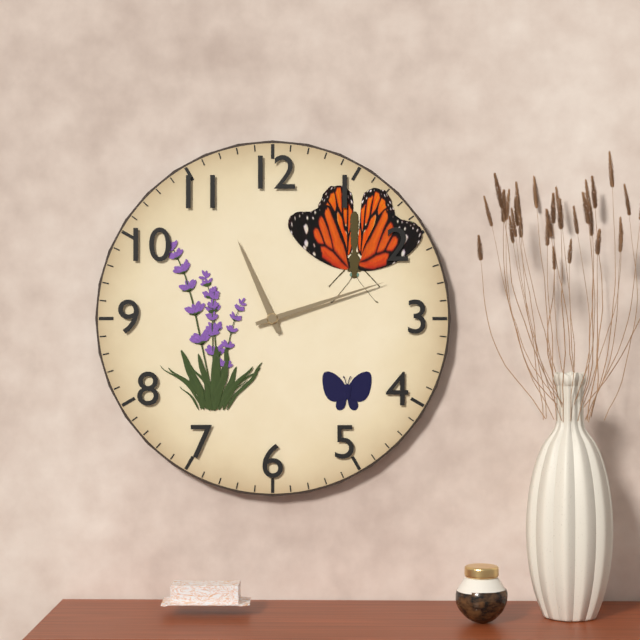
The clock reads {"hour": 11, "minute": 12}
